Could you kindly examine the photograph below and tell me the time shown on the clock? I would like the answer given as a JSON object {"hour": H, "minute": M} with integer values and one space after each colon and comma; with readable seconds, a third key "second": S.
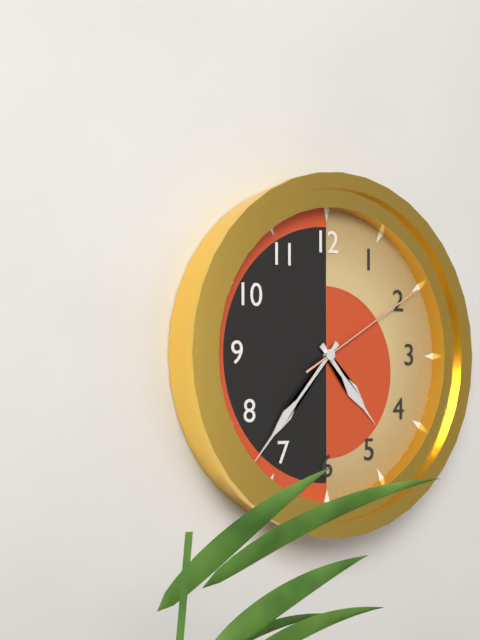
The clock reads {"hour": 4, "minute": 37, "second": 10}
